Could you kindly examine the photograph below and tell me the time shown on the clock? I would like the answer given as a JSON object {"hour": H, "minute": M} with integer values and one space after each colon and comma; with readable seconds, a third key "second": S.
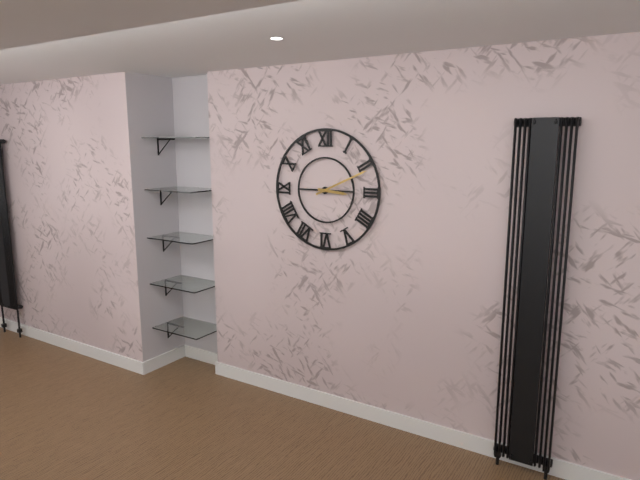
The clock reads {"hour": 3, "minute": 11}
